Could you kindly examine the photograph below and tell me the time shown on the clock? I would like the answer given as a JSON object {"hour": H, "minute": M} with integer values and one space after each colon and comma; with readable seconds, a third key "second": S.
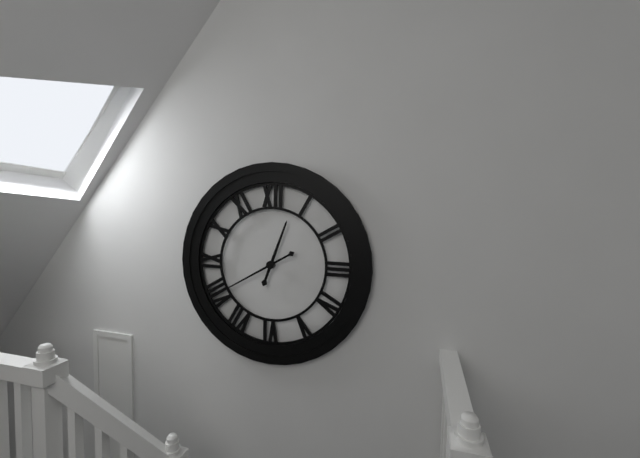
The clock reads {"hour": 12, "minute": 40}
